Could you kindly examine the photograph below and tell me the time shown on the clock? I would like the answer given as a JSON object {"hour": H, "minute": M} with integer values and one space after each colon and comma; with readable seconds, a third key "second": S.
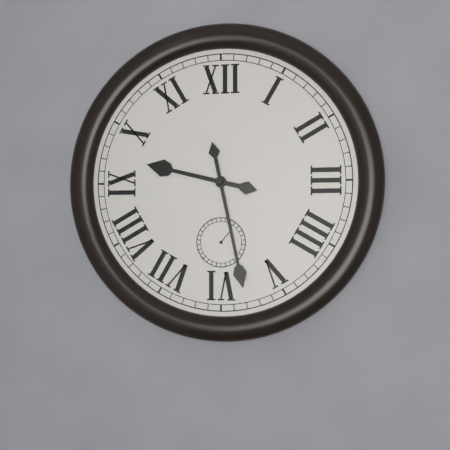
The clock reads {"hour": 9, "minute": 28}
